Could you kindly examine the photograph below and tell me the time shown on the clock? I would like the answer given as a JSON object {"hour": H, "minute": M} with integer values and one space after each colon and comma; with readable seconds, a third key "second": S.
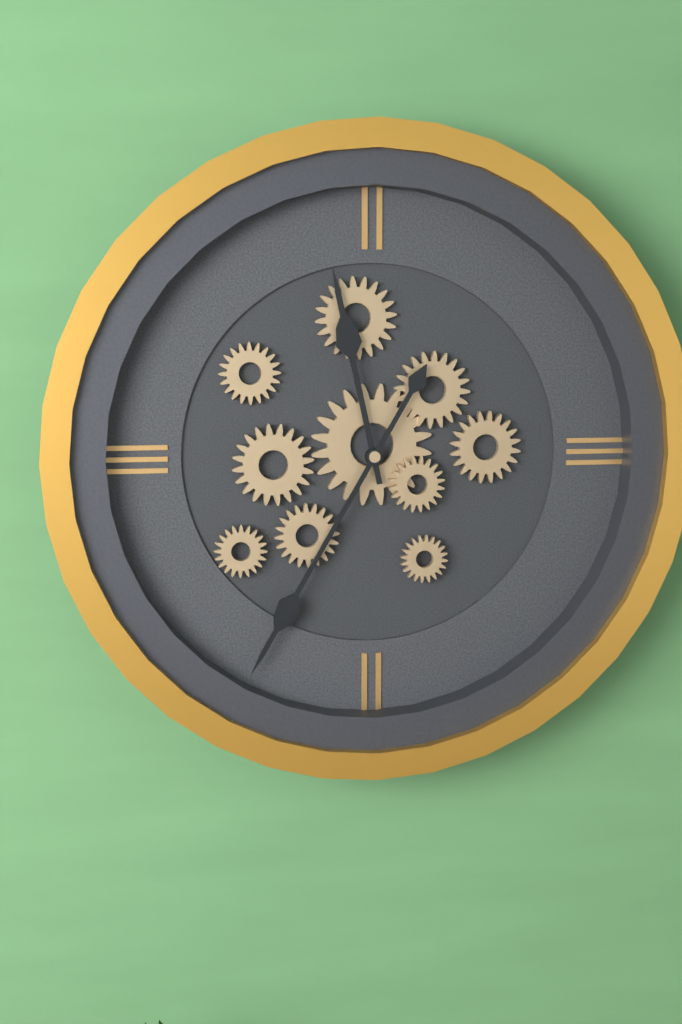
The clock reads {"hour": 11, "minute": 35}
